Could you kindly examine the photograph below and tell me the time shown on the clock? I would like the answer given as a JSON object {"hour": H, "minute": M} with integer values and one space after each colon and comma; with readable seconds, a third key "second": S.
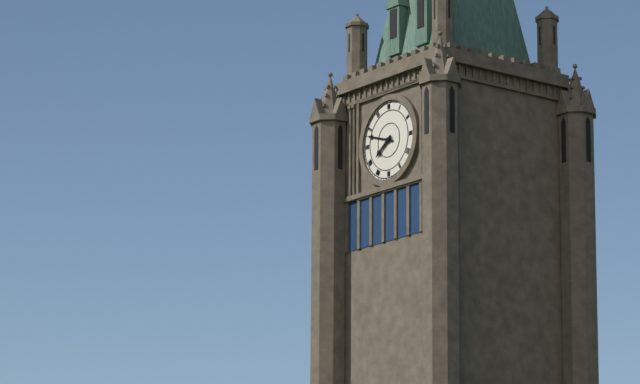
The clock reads {"hour": 7, "minute": 48}
